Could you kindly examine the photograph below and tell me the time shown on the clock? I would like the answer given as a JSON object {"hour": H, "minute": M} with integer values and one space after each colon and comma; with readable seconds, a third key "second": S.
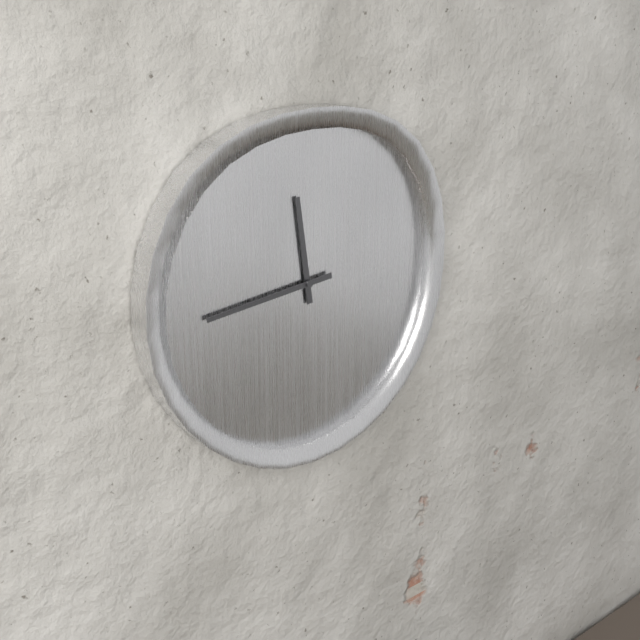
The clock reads {"hour": 11, "minute": 44}
